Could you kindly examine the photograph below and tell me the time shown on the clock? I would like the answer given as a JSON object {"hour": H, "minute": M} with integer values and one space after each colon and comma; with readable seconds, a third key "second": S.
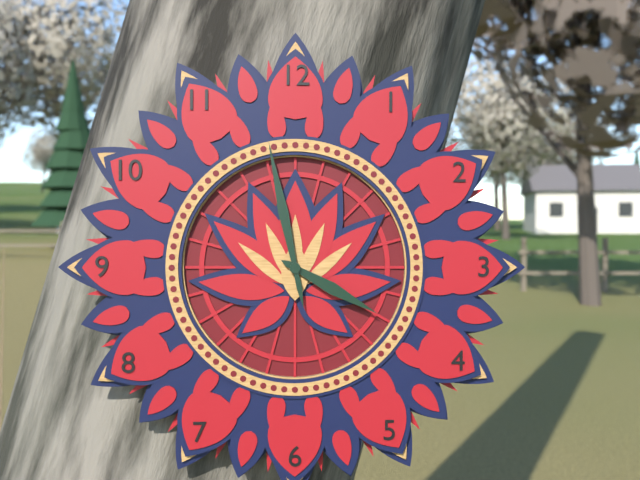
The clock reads {"hour": 3, "minute": 58}
